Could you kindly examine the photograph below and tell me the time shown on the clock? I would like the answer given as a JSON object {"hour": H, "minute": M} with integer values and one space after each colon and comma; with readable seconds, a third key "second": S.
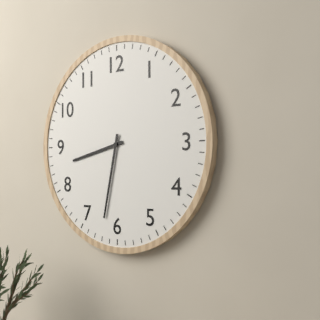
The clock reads {"hour": 8, "minute": 32}
